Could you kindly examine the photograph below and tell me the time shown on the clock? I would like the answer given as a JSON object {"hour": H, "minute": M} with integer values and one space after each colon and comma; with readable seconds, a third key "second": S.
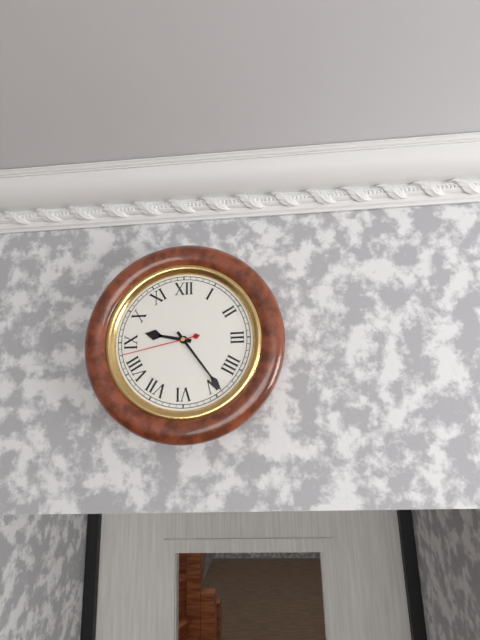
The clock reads {"hour": 9, "minute": 24, "second": 43}
